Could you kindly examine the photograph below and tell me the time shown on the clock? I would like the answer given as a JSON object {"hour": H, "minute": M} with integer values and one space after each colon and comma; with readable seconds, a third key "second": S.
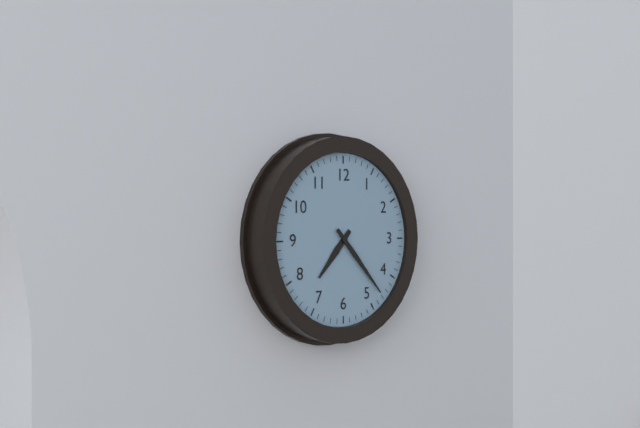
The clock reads {"hour": 7, "minute": 23}
